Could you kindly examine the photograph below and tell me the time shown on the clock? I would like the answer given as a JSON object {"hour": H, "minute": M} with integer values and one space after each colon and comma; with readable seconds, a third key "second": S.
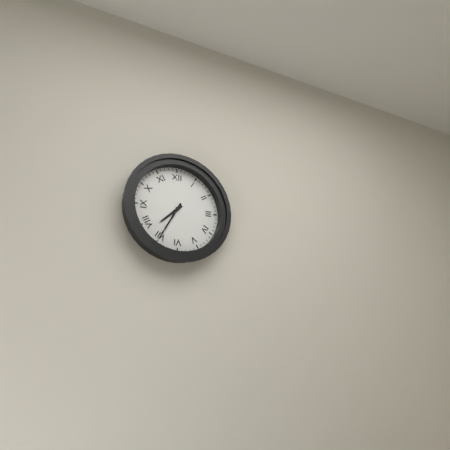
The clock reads {"hour": 7, "minute": 35}
